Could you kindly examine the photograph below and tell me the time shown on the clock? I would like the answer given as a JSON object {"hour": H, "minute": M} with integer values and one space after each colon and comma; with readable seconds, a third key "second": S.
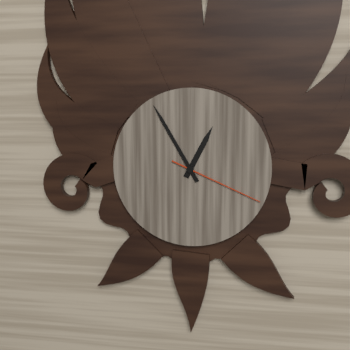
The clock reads {"hour": 12, "minute": 55, "second": 19}
